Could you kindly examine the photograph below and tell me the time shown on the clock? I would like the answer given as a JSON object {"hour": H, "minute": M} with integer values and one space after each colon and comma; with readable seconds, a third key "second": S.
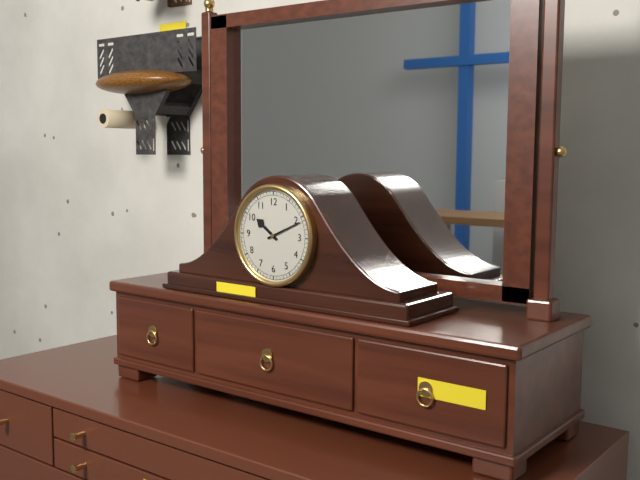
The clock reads {"hour": 10, "minute": 11}
